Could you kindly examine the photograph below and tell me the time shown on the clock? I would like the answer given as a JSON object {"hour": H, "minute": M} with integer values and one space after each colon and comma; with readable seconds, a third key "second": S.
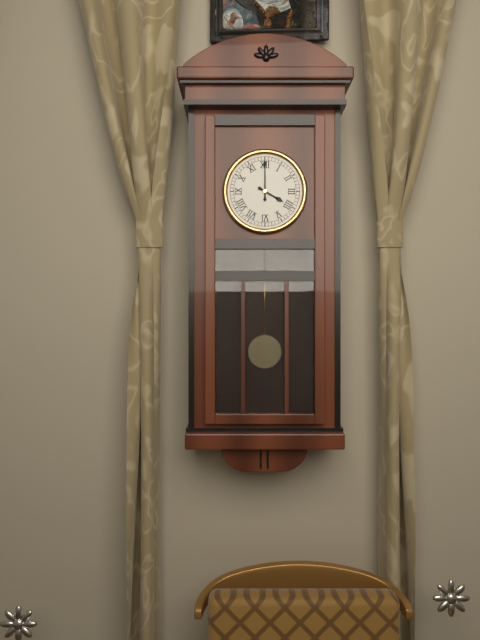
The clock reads {"hour": 4, "minute": 0}
